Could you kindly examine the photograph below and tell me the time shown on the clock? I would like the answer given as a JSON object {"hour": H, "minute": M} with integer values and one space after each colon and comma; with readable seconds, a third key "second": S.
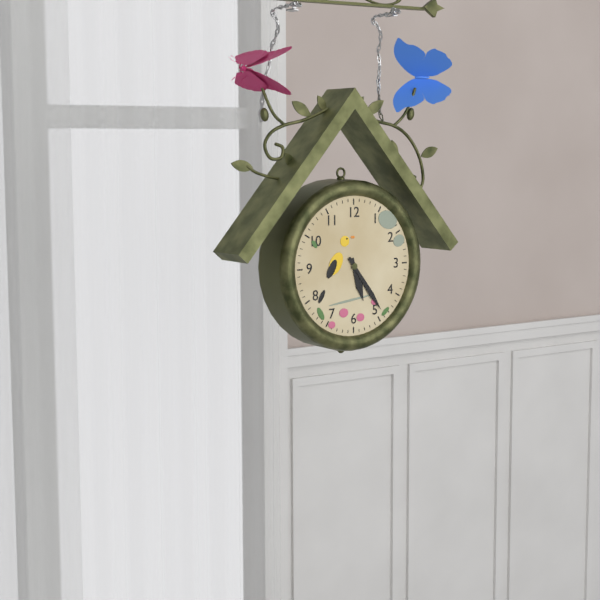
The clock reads {"hour": 5, "minute": 24}
